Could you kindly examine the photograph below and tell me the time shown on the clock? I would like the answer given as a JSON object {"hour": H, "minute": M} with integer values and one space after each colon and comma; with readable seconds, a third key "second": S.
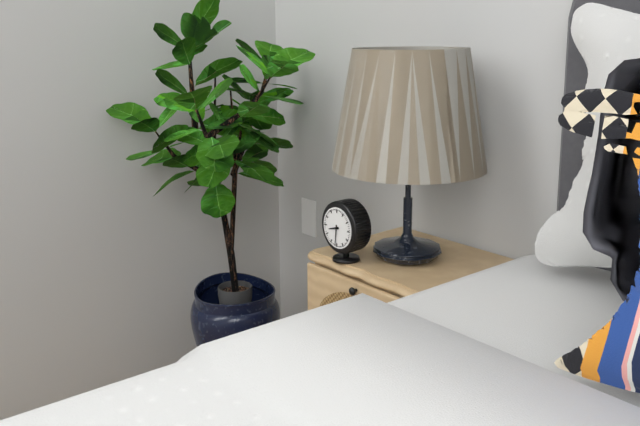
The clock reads {"hour": 8, "minute": 31}
